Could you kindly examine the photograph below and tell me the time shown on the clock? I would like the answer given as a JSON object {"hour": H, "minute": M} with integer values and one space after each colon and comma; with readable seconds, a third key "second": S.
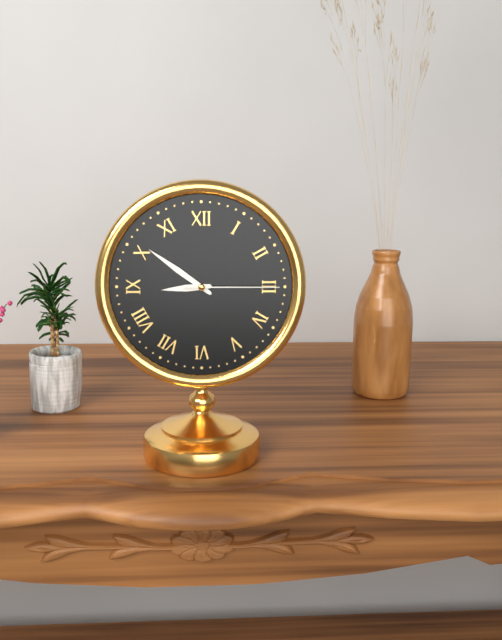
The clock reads {"hour": 8, "minute": 51, "second": 15}
